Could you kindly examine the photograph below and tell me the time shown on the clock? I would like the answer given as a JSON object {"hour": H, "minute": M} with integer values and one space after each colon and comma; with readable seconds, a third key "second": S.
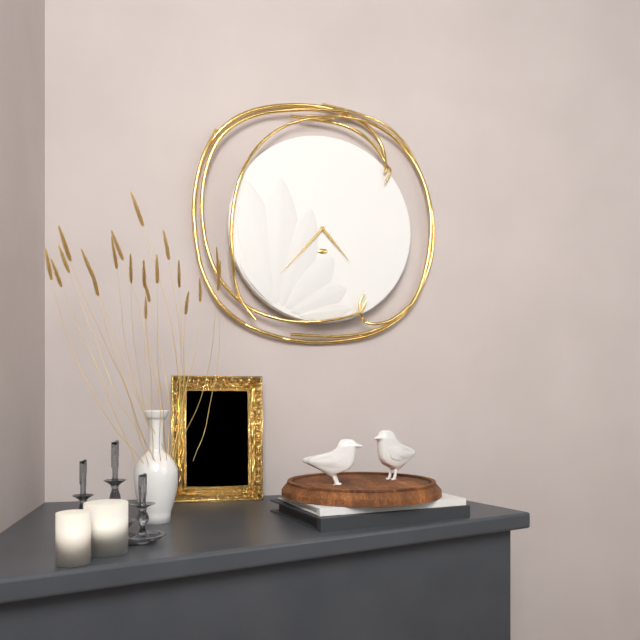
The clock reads {"hour": 4, "minute": 37}
